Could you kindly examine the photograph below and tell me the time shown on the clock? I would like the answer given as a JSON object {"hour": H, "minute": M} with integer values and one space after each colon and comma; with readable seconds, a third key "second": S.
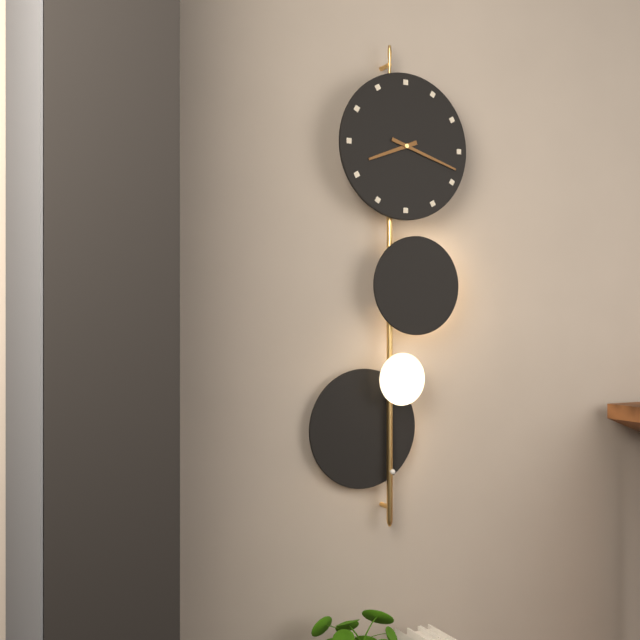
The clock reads {"hour": 8, "minute": 18}
